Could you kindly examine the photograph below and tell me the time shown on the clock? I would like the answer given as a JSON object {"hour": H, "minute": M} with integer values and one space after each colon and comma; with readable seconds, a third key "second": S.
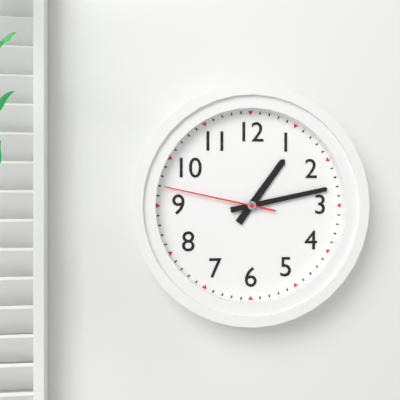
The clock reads {"hour": 1, "minute": 13, "second": 47}
